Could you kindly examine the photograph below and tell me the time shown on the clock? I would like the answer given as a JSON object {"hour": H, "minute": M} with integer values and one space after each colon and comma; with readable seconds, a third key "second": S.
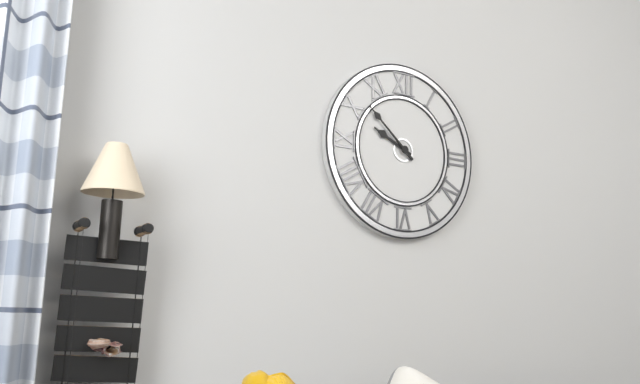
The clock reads {"hour": 9, "minute": 52}
